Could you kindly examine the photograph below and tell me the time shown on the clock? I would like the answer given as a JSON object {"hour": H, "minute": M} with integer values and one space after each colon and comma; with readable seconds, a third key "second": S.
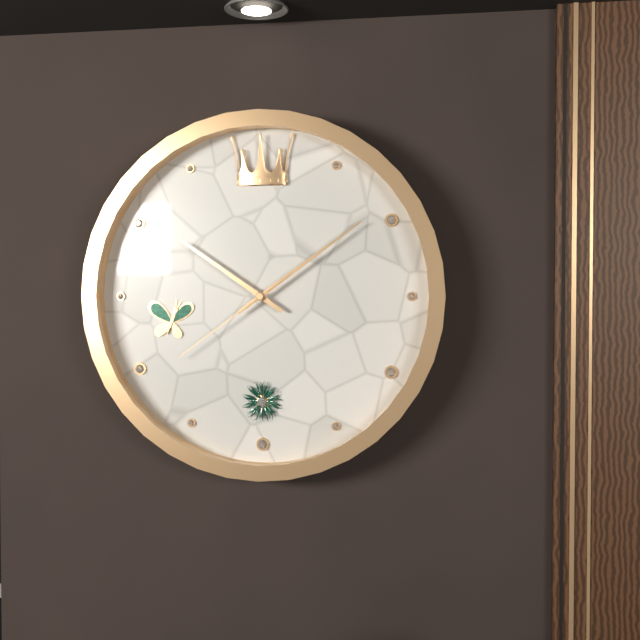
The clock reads {"hour": 10, "minute": 9, "second": 39}
